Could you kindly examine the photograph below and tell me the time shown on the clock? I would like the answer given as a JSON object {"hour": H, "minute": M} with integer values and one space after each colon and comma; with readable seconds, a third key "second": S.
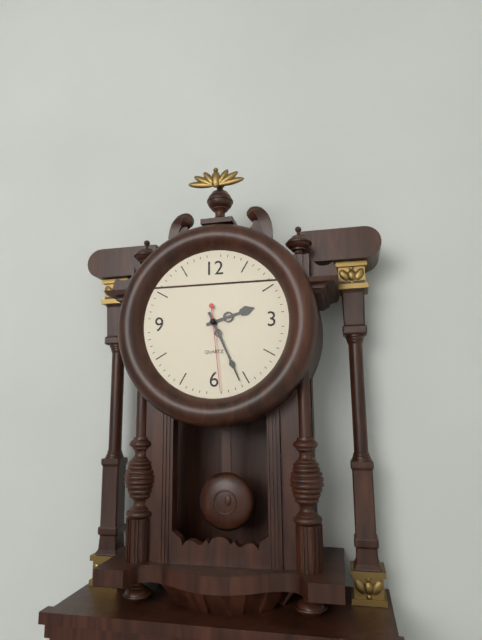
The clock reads {"hour": 2, "minute": 26, "second": 29}
